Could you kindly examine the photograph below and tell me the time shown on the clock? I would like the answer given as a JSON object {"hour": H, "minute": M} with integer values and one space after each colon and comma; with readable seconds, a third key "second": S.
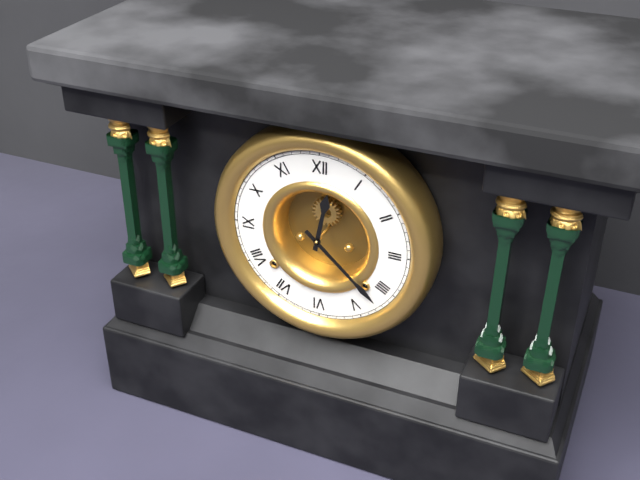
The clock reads {"hour": 12, "minute": 22}
